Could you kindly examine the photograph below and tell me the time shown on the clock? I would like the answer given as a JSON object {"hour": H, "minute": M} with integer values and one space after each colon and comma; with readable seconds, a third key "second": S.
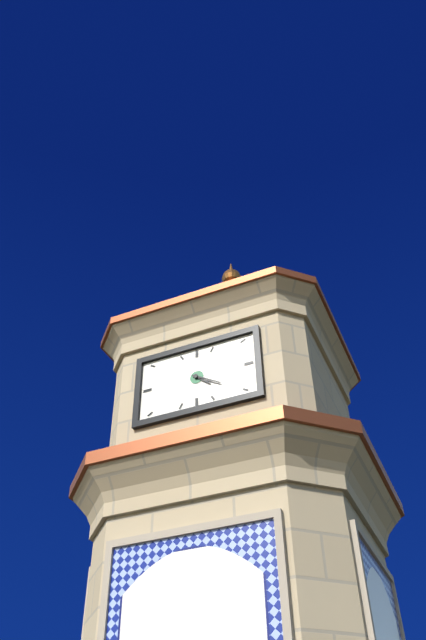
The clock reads {"hour": 4, "minute": 20}
